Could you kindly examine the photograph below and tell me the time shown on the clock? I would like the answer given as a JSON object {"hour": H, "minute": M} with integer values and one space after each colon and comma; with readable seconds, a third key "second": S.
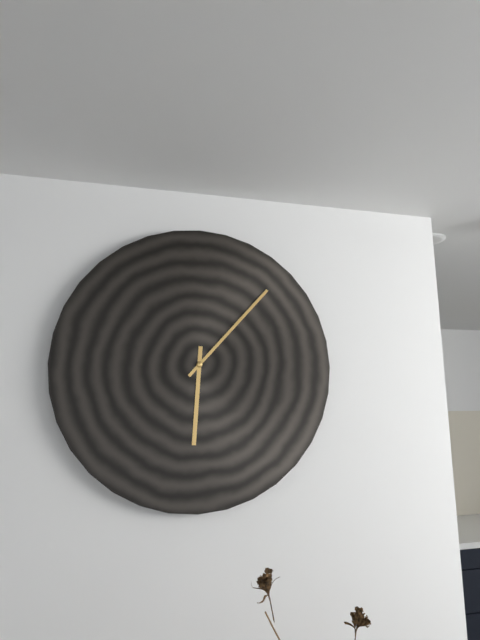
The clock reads {"hour": 6, "minute": 7}
